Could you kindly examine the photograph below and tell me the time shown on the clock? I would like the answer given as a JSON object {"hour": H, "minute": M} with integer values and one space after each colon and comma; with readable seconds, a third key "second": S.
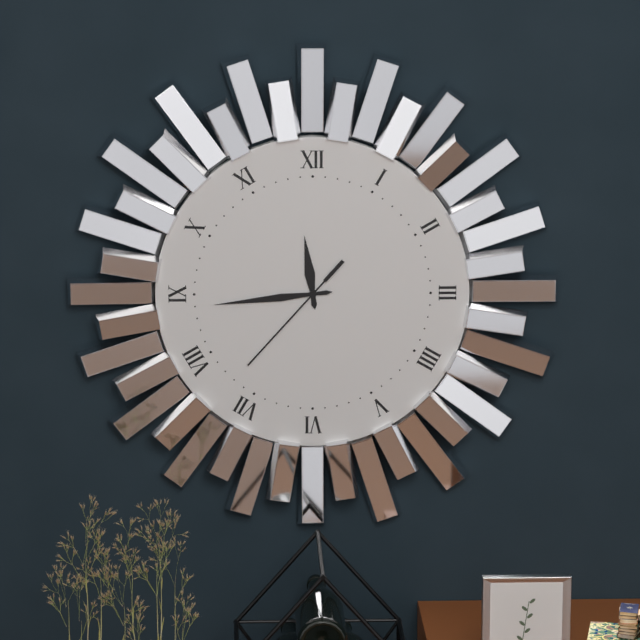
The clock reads {"hour": 11, "minute": 44, "second": 37}
